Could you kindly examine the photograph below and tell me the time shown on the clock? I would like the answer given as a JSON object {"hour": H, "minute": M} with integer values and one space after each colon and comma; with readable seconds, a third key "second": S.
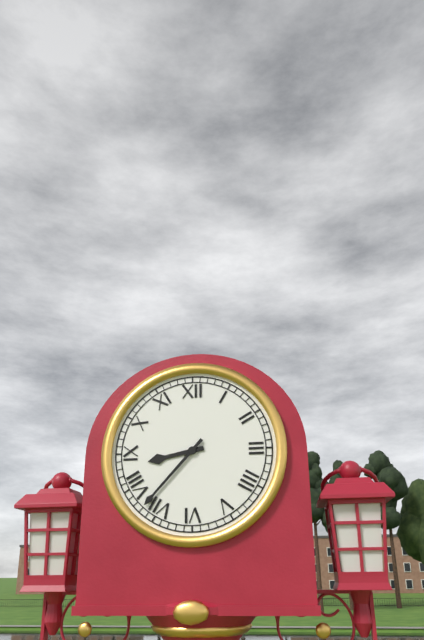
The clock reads {"hour": 8, "minute": 37}
